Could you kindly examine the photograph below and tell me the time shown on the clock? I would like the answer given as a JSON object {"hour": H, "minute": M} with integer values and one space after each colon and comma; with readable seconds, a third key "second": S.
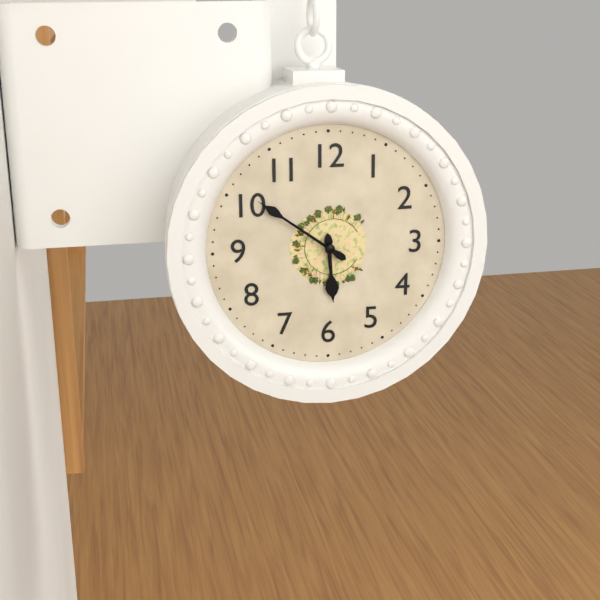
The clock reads {"hour": 5, "minute": 51}
